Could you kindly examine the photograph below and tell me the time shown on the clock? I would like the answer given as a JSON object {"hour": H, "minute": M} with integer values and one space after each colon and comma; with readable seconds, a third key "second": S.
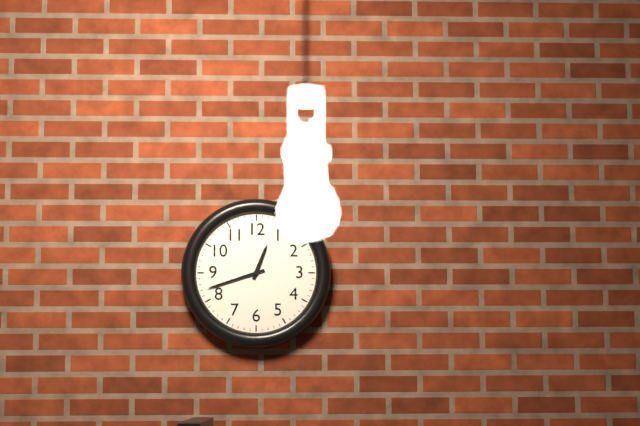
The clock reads {"hour": 12, "minute": 42}
